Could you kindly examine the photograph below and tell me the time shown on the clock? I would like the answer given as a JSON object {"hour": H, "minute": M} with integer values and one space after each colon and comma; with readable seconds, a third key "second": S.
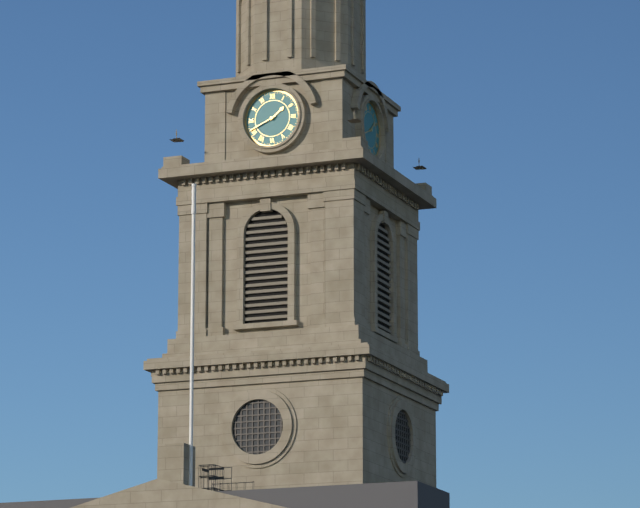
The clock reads {"hour": 1, "minute": 41}
